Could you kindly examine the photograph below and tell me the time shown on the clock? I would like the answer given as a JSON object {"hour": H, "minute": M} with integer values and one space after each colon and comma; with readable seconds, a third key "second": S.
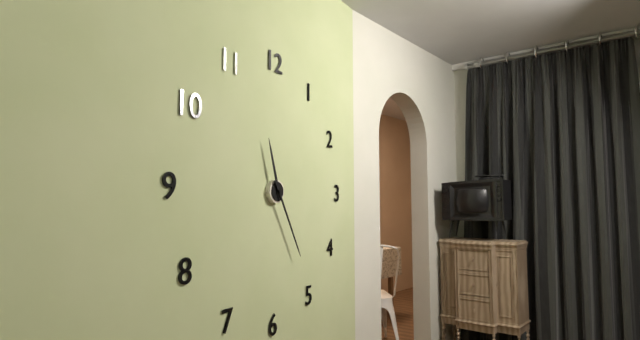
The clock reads {"hour": 11, "minute": 25}
